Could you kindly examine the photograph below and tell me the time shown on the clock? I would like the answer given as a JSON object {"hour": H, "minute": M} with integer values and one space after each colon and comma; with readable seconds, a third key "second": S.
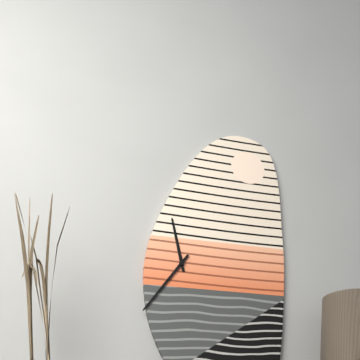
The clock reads {"hour": 11, "minute": 36}
